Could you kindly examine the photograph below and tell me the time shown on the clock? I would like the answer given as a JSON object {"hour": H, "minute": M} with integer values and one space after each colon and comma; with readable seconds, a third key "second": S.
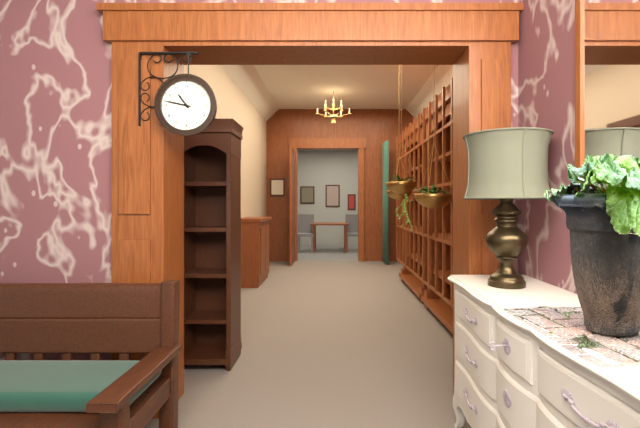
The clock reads {"hour": 10, "minute": 47}
